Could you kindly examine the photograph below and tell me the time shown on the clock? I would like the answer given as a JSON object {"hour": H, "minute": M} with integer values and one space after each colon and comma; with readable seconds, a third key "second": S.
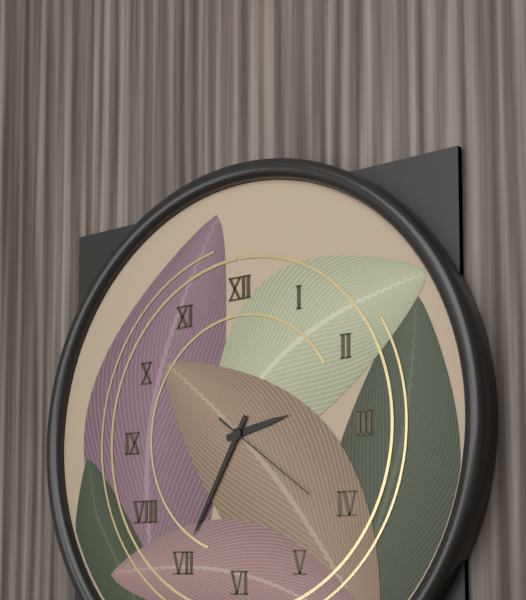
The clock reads {"hour": 2, "minute": 35, "second": 21}
